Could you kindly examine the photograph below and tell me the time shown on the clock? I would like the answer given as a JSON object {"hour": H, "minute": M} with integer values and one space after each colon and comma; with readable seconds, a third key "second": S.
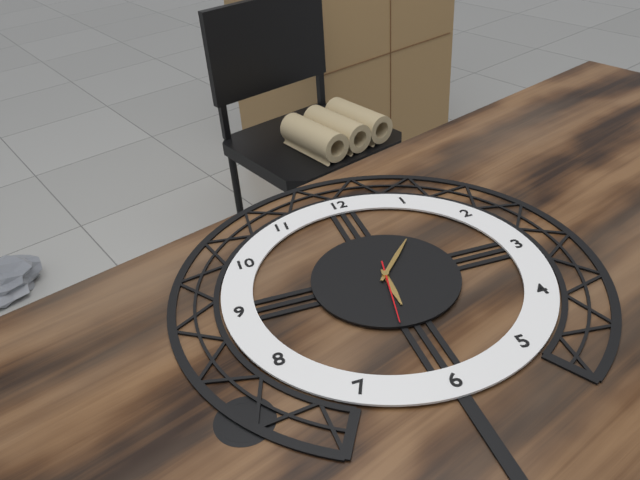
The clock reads {"hour": 6, "minute": 7, "second": 32}
